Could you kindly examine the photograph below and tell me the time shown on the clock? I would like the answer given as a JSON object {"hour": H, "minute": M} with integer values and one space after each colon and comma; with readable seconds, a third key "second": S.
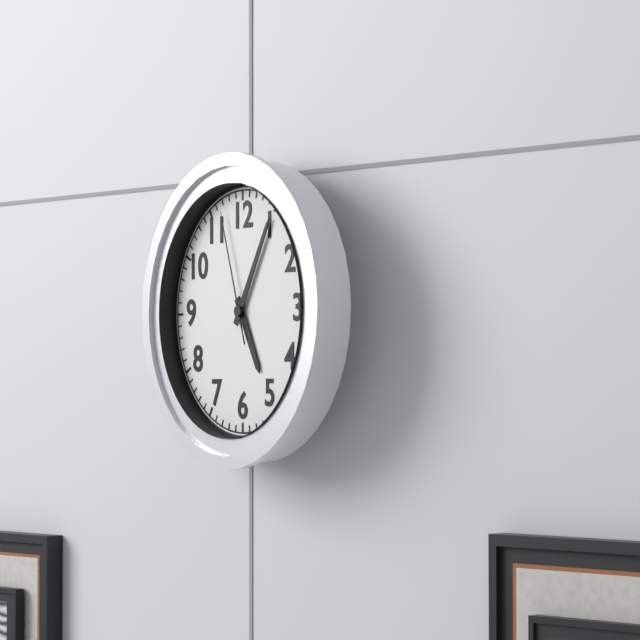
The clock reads {"hour": 5, "minute": 5, "second": 57}
